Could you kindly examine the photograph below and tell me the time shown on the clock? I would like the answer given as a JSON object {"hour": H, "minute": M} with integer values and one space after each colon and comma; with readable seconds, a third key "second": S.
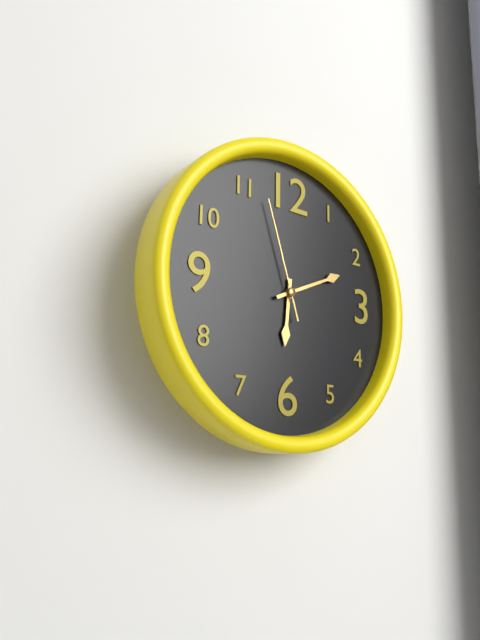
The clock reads {"hour": 6, "minute": 11, "second": 57}
